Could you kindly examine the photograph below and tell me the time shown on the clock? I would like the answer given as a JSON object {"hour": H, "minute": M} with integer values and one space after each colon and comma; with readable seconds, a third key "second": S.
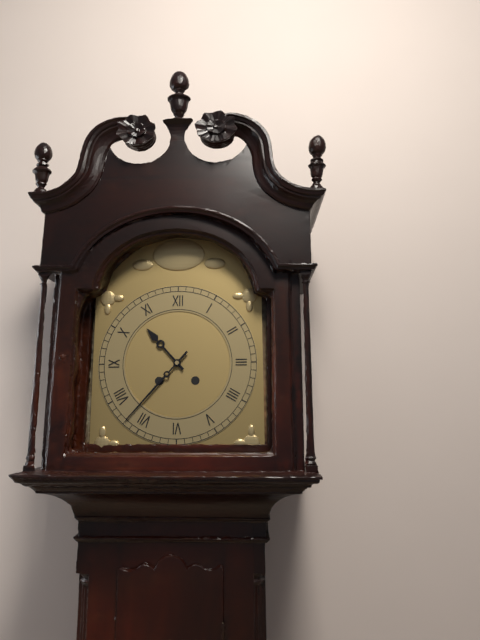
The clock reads {"hour": 10, "minute": 37}
